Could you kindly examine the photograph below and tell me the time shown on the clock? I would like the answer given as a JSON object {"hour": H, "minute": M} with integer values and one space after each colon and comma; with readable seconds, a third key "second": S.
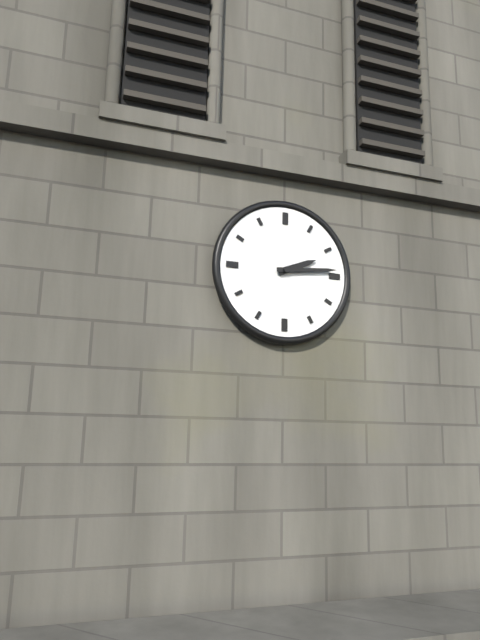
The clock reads {"hour": 2, "minute": 14}
